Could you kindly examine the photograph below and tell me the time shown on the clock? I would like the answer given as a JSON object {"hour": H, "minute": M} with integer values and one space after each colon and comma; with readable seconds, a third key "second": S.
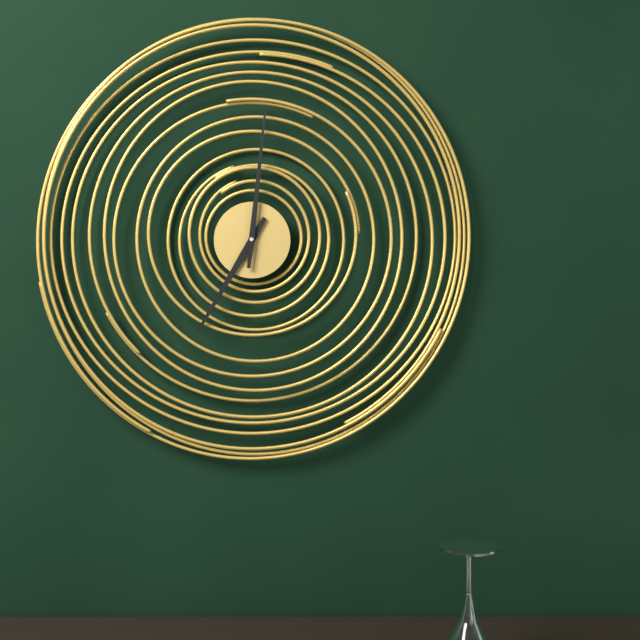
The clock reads {"hour": 7, "minute": 1}
